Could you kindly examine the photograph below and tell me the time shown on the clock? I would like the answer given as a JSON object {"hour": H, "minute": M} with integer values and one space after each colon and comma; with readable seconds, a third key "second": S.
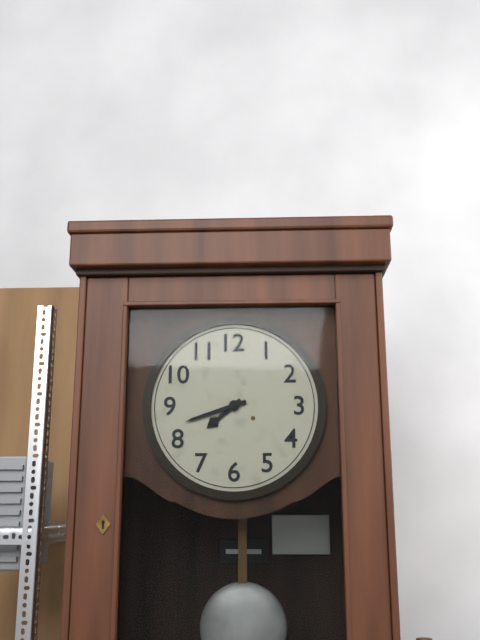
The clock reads {"hour": 7, "minute": 42}
